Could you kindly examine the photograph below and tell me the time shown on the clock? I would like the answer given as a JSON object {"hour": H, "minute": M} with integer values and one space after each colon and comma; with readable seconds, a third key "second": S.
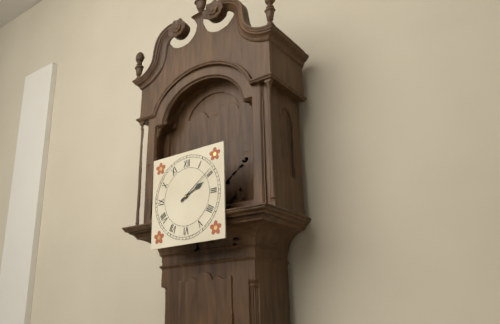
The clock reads {"hour": 2, "minute": 9}
